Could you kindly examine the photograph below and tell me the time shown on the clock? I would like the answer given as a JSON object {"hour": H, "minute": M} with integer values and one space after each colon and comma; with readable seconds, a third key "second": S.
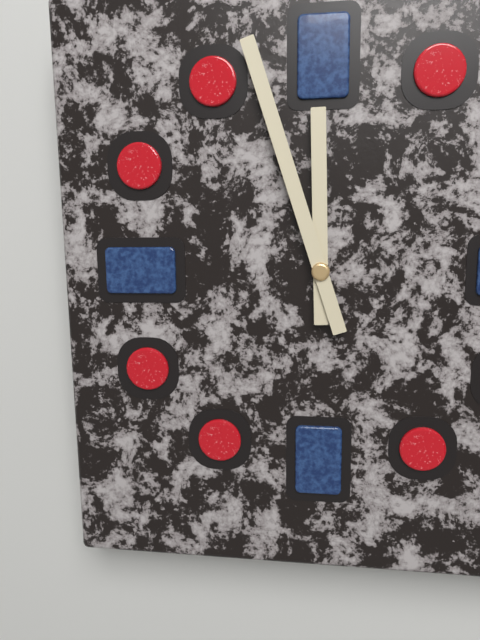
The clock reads {"hour": 11, "minute": 57}
